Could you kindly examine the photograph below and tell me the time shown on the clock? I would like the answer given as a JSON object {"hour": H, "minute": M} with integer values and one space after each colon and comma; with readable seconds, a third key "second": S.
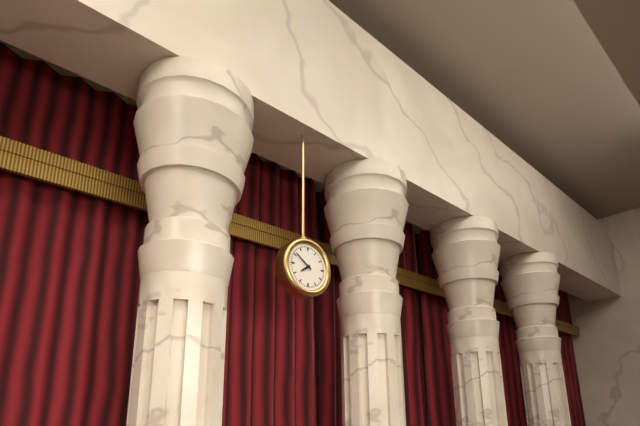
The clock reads {"hour": 7, "minute": 51}
